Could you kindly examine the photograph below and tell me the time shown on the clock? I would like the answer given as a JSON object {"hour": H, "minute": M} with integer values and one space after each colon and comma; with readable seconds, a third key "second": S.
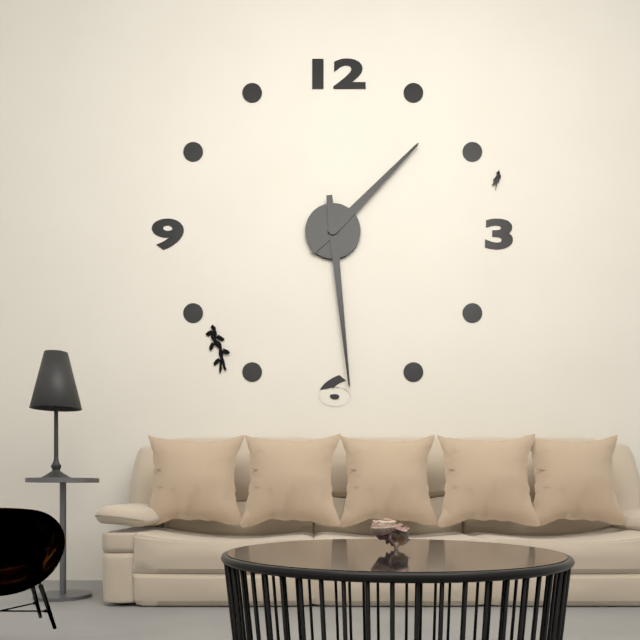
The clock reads {"hour": 1, "minute": 29}
